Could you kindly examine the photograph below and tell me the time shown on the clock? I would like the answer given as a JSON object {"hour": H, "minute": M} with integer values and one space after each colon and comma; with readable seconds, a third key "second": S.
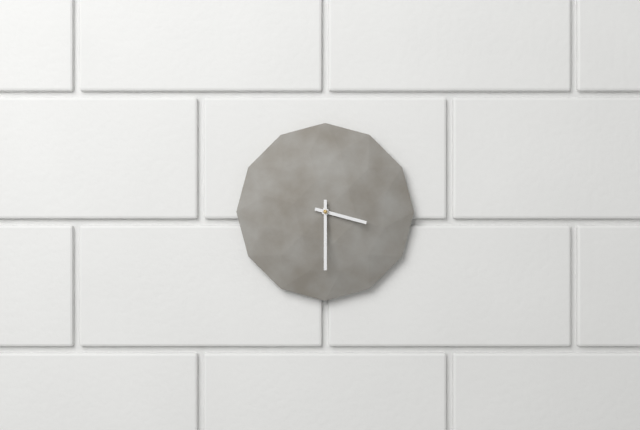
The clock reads {"hour": 3, "minute": 30}
